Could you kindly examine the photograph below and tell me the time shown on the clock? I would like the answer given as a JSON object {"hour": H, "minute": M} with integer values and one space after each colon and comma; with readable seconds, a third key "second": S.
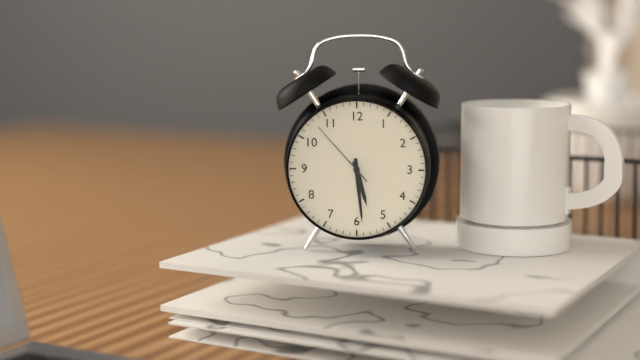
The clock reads {"hour": 5, "minute": 29, "second": 53}
